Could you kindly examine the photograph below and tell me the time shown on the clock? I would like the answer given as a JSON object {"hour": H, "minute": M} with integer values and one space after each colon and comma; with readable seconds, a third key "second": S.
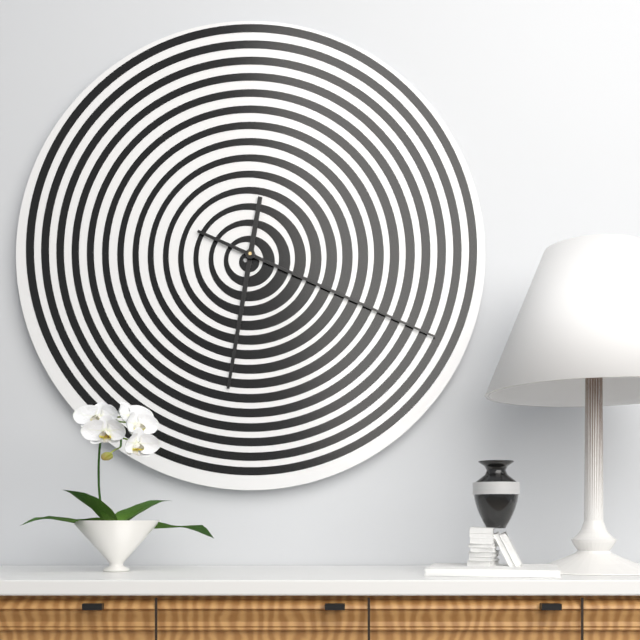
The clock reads {"hour": 6, "minute": 19}
